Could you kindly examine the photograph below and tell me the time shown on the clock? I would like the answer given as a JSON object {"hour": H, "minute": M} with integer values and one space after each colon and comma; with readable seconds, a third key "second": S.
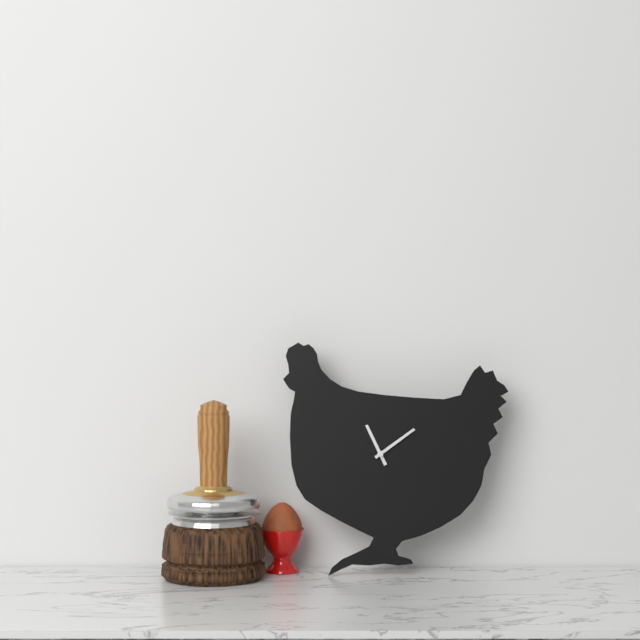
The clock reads {"hour": 11, "minute": 9}
